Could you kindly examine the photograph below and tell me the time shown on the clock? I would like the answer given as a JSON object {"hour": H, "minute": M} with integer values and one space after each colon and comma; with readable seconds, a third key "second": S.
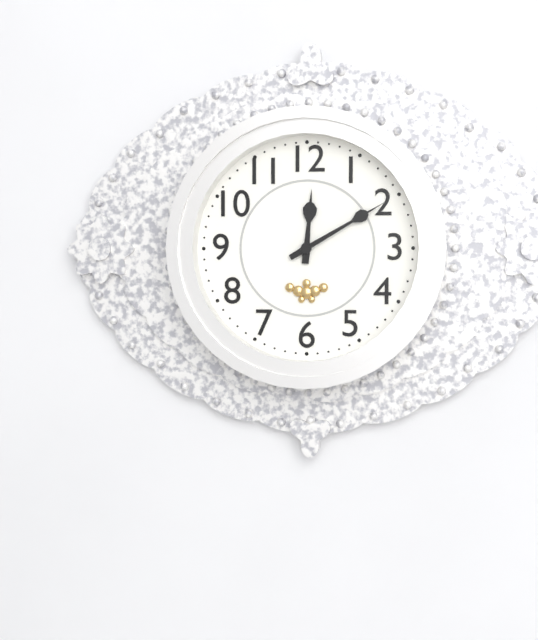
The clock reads {"hour": 12, "minute": 10}
